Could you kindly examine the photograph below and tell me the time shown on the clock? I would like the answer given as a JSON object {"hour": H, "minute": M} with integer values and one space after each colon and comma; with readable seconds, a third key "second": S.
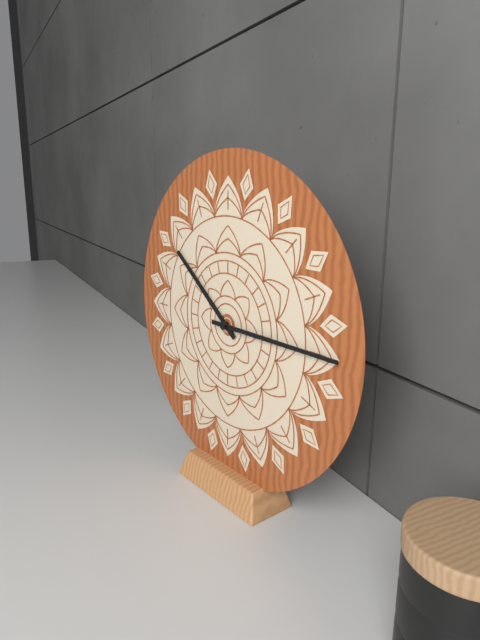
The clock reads {"hour": 10, "minute": 15}
